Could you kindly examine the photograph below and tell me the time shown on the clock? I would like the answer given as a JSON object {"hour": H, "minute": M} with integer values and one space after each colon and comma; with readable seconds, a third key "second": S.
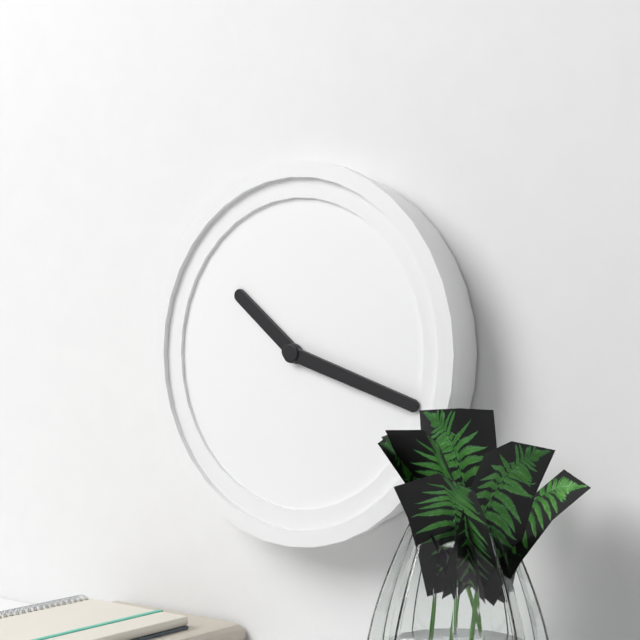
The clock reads {"hour": 10, "minute": 18}
